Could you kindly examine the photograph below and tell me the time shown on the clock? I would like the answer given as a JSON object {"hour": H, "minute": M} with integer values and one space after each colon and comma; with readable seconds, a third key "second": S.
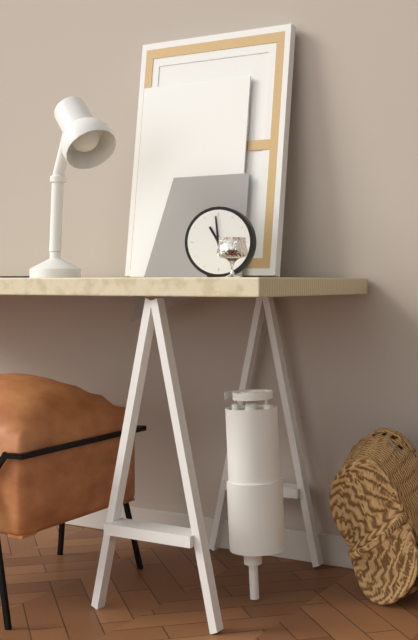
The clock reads {"hour": 10, "minute": 59}
